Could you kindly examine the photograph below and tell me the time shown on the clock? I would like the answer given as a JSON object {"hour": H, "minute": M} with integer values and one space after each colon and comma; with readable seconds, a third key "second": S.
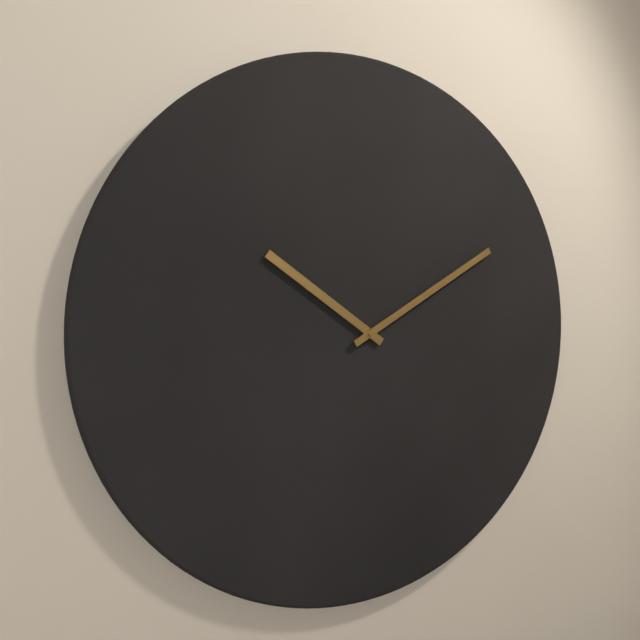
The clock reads {"hour": 10, "minute": 10}
